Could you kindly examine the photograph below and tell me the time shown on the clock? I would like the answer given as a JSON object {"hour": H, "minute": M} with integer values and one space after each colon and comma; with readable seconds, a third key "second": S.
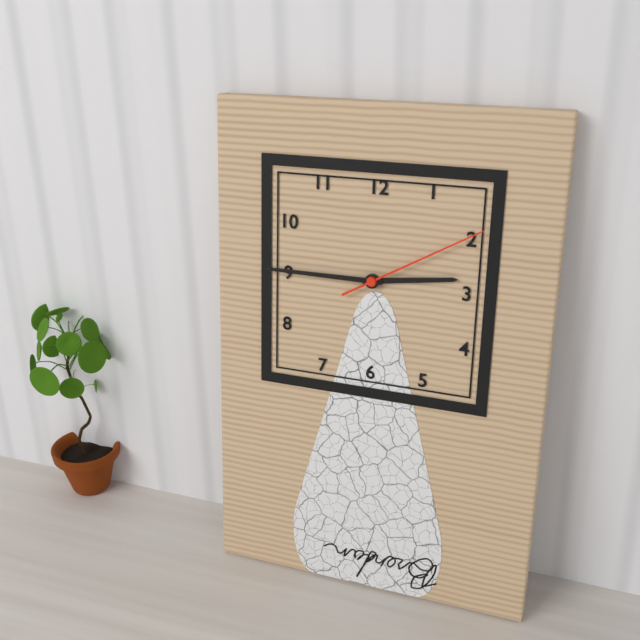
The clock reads {"hour": 2, "minute": 45, "second": 10}
